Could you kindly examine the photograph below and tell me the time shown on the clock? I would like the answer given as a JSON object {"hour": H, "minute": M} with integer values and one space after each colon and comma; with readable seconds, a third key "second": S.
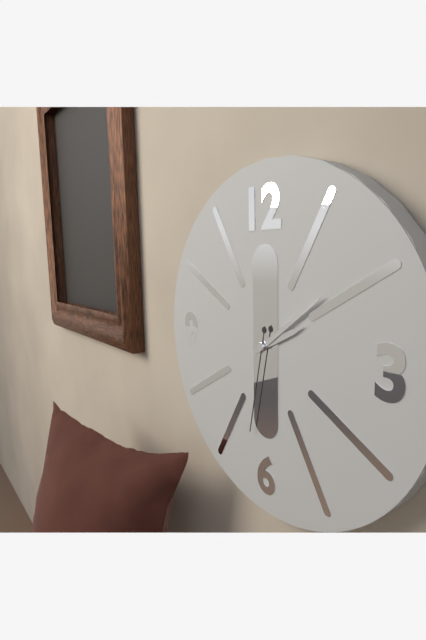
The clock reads {"hour": 2, "minute": 9, "second": 32}
